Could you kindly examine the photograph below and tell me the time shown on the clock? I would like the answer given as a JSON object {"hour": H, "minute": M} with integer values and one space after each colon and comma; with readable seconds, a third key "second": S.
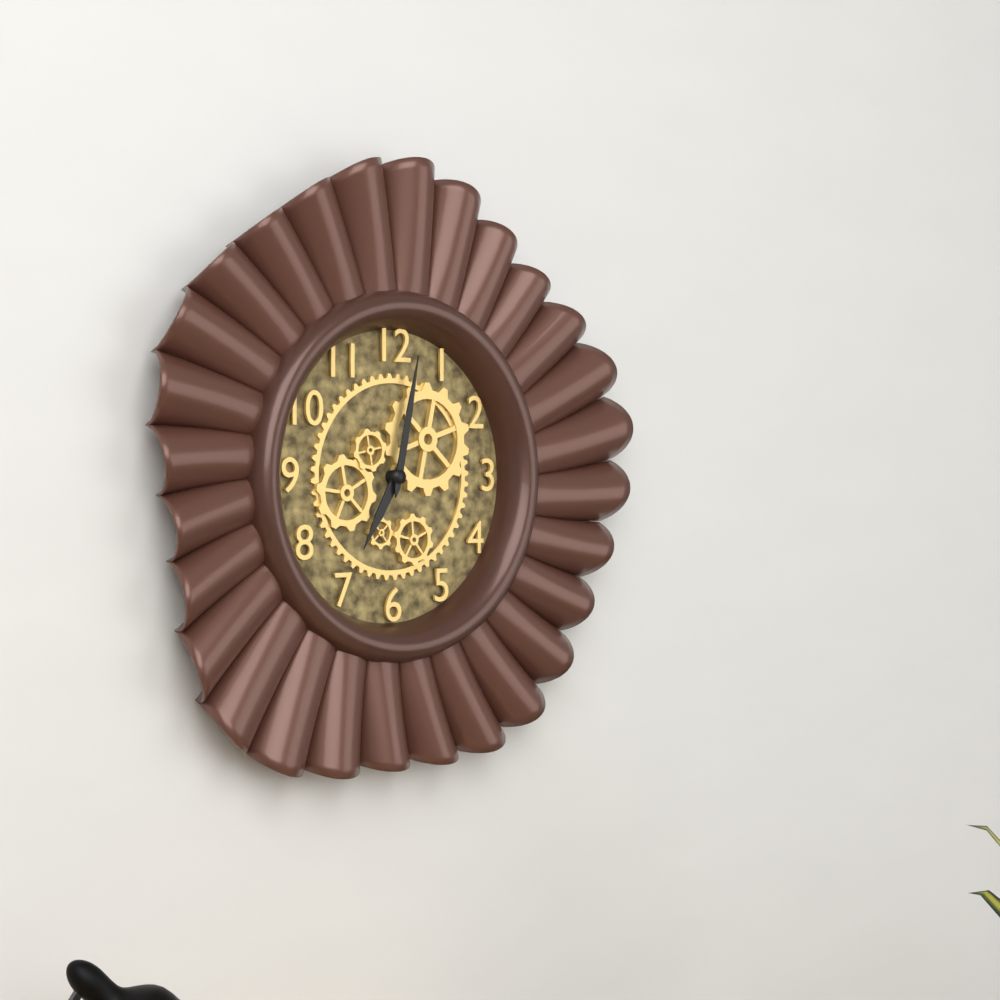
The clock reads {"hour": 7, "minute": 2}
